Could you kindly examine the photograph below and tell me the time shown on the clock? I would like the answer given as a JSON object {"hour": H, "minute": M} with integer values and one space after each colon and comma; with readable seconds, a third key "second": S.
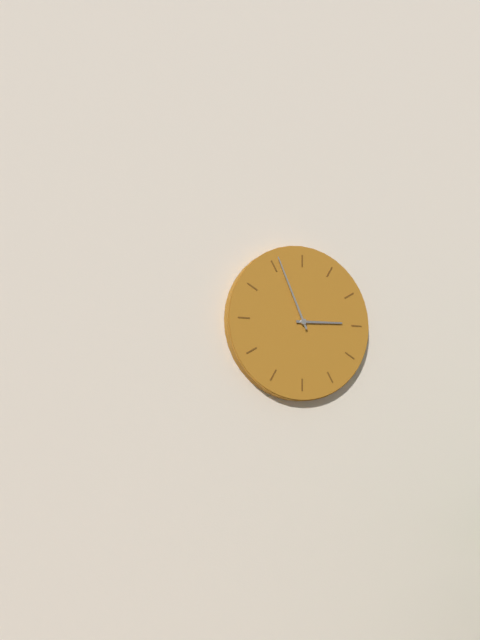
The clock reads {"hour": 2, "minute": 56}
